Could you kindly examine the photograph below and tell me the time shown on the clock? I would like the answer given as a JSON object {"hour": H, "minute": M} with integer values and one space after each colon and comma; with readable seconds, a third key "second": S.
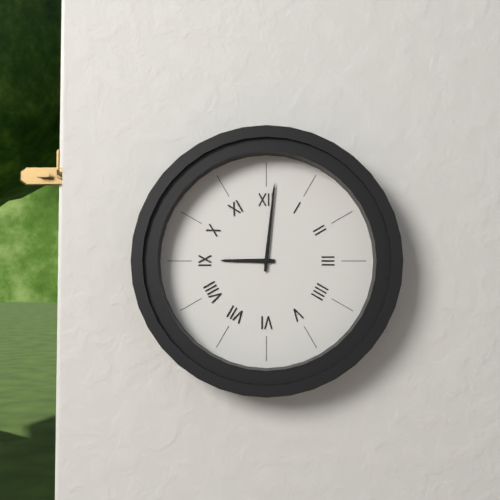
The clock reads {"hour": 9, "minute": 1}
